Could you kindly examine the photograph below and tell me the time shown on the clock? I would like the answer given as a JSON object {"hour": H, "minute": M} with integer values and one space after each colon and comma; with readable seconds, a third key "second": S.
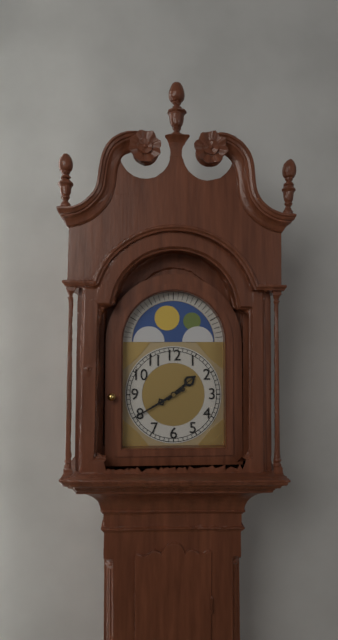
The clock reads {"hour": 1, "minute": 40}
